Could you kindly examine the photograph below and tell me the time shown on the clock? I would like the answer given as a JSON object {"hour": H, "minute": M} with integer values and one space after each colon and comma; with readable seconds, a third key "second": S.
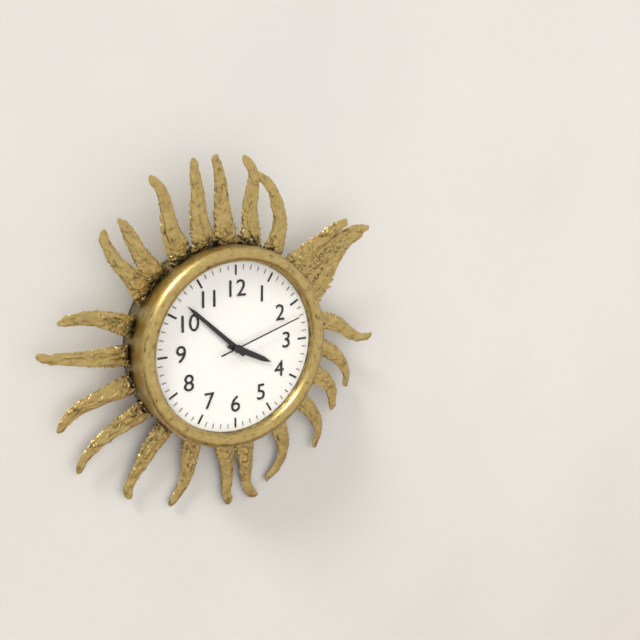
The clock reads {"hour": 3, "minute": 52, "second": 12}
